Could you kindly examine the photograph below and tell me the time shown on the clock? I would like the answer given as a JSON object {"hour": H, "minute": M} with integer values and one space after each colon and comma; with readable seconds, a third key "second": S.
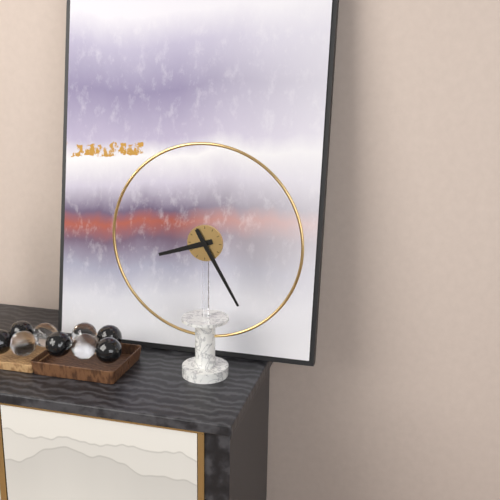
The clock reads {"hour": 8, "minute": 25}
